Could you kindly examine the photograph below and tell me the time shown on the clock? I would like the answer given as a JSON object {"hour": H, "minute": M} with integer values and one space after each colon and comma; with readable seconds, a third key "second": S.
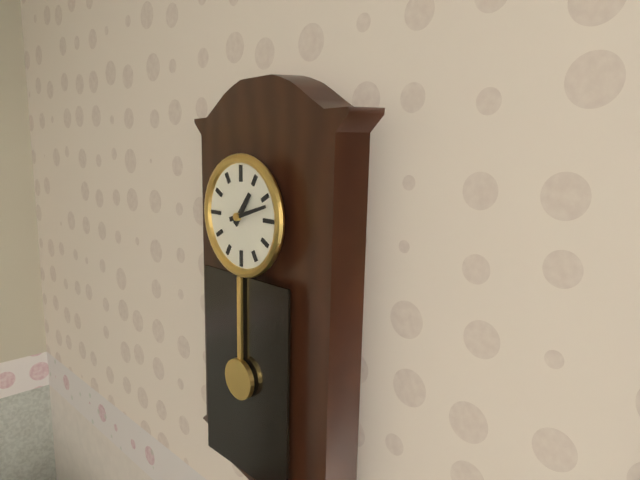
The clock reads {"hour": 1, "minute": 12}
